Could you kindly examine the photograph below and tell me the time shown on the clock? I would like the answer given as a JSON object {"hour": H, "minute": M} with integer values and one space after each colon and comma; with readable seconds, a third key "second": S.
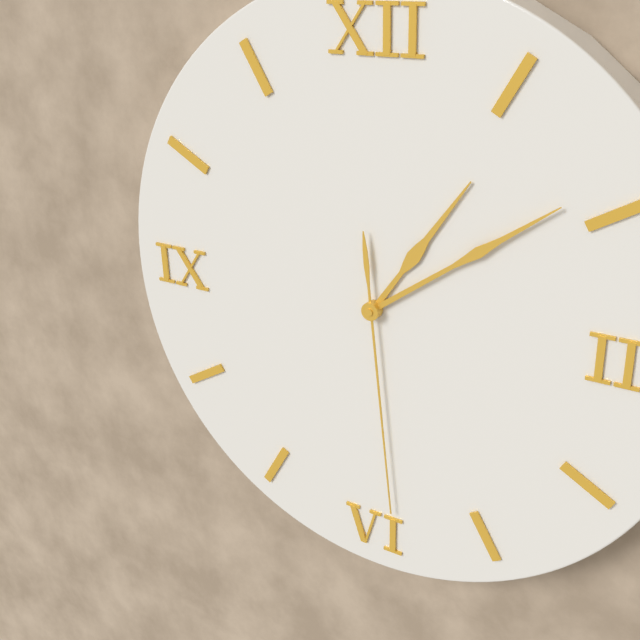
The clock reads {"hour": 1, "minute": 9, "second": 29}
